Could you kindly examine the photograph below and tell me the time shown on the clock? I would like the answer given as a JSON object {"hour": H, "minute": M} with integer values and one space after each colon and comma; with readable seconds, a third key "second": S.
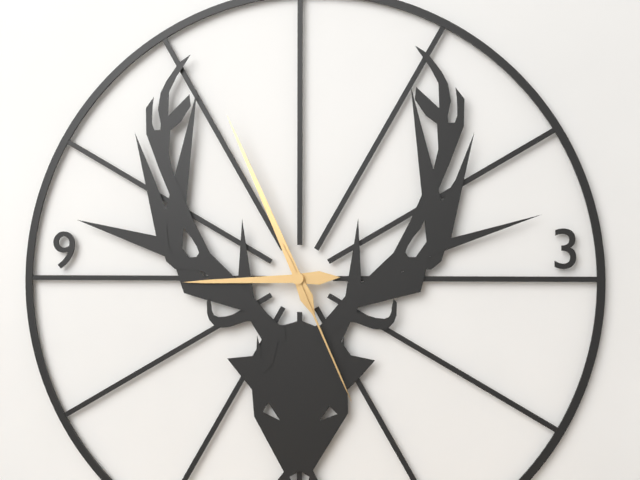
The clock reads {"hour": 8, "minute": 56, "second": 26}
